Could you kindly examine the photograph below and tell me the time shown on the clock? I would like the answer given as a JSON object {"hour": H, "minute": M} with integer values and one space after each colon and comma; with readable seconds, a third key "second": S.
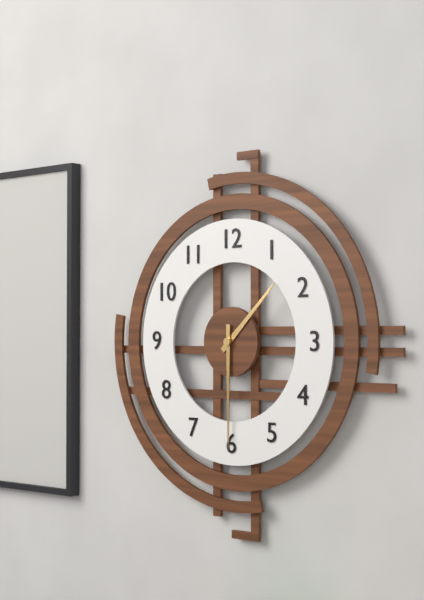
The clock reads {"hour": 1, "minute": 30}
